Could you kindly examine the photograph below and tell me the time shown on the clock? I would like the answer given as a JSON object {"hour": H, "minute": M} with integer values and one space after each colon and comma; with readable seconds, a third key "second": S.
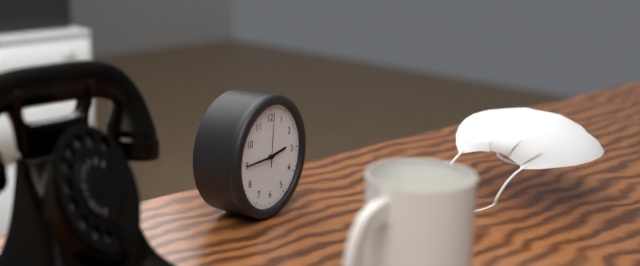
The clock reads {"hour": 2, "minute": 45, "second": 1}
